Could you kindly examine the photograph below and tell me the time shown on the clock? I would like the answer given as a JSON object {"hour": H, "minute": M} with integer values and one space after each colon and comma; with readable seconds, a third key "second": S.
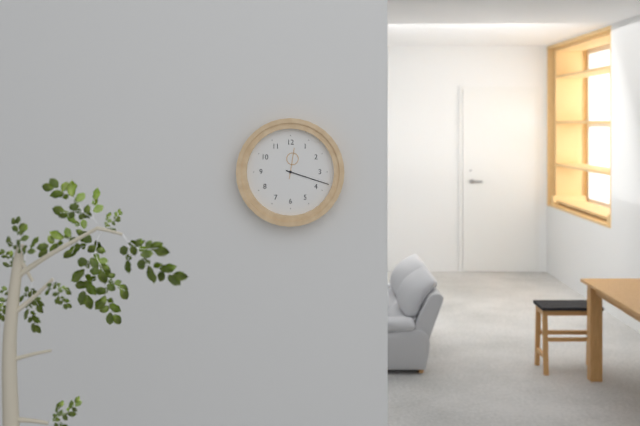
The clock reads {"hour": 12, "minute": 18}
